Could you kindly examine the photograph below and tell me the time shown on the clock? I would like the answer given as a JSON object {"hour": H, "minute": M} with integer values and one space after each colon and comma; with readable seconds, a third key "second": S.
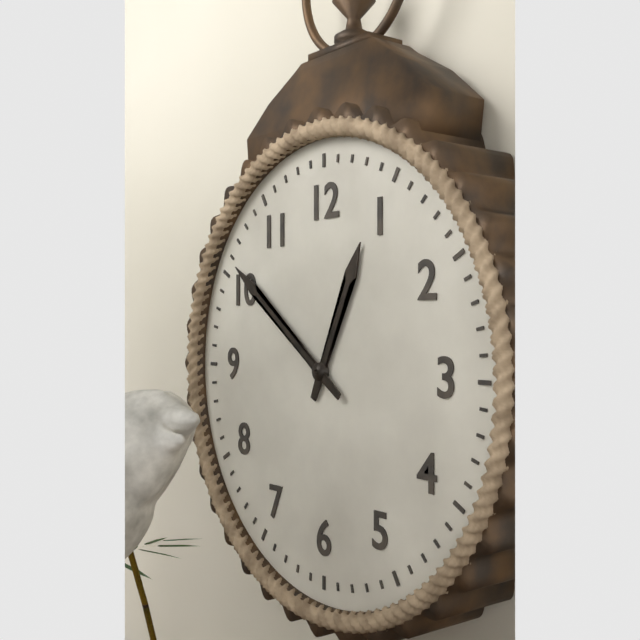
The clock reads {"hour": 12, "minute": 51}
